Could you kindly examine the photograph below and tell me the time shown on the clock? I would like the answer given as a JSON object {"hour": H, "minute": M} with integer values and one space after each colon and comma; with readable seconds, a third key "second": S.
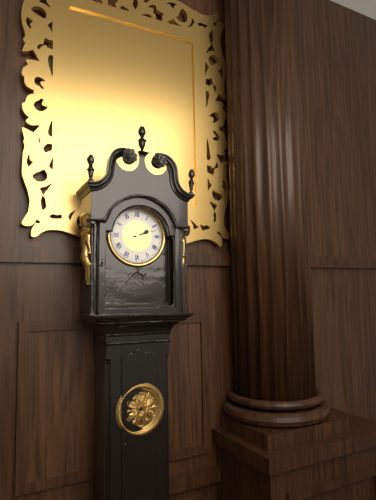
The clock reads {"hour": 2, "minute": 12}
